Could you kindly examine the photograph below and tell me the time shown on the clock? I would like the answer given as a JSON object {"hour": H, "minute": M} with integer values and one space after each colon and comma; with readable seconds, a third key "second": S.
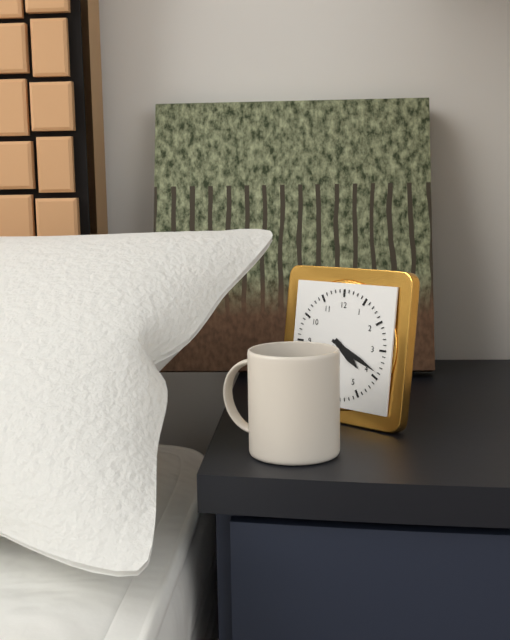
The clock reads {"hour": 4, "minute": 19}
